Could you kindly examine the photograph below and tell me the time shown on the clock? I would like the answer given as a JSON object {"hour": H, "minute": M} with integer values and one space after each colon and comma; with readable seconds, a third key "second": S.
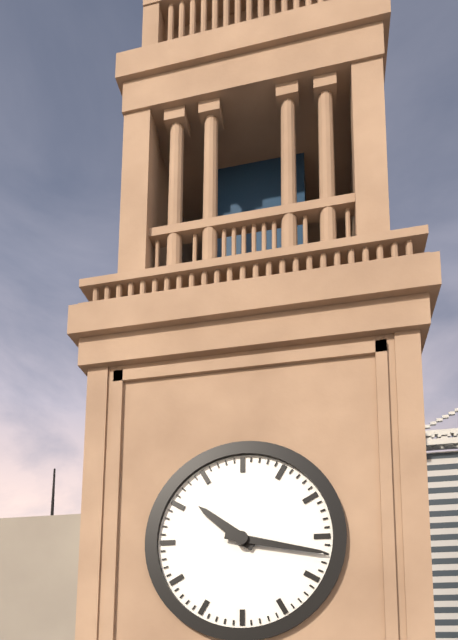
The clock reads {"hour": 10, "minute": 17}
